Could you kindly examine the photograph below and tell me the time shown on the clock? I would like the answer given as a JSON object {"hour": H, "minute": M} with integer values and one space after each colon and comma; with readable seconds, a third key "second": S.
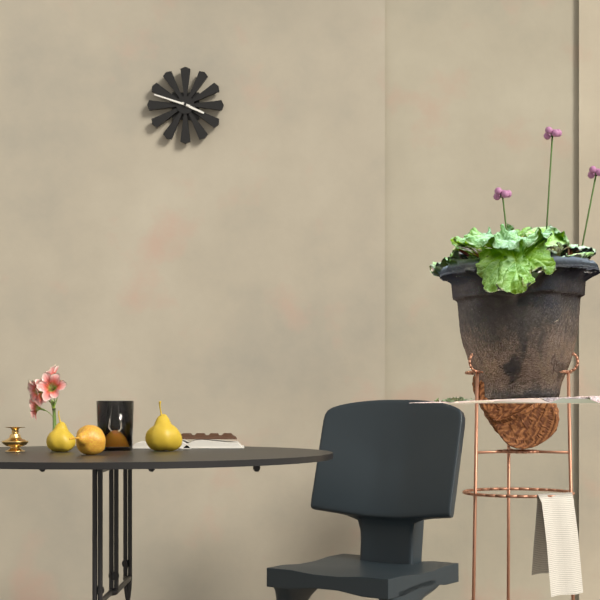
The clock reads {"hour": 3, "minute": 48}
